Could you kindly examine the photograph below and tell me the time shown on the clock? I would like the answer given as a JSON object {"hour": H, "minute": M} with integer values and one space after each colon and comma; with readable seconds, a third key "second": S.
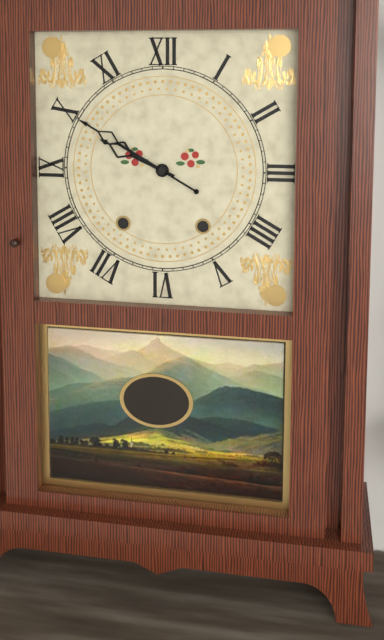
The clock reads {"hour": 9, "minute": 50}
